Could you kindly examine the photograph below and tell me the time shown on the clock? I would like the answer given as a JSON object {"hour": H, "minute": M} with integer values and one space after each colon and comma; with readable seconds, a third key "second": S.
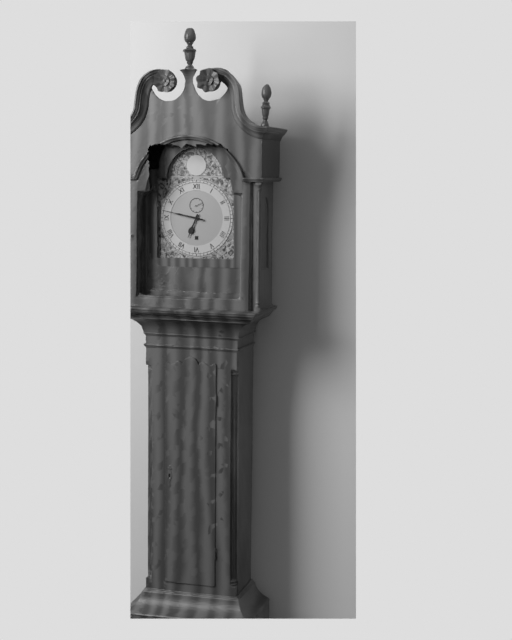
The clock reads {"hour": 6, "minute": 47}
